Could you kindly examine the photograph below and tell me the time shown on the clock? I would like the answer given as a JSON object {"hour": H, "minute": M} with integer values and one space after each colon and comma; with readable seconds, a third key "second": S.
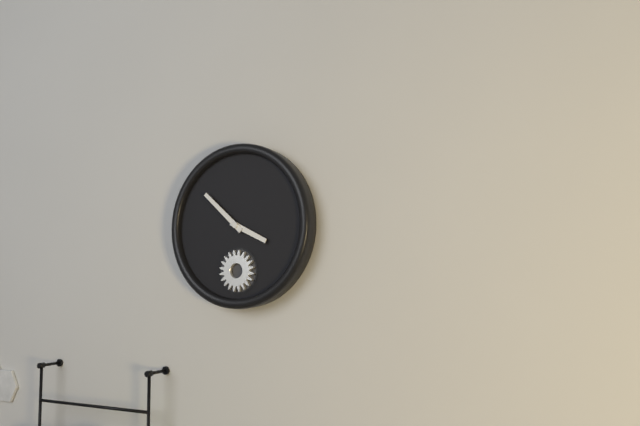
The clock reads {"hour": 3, "minute": 52}
